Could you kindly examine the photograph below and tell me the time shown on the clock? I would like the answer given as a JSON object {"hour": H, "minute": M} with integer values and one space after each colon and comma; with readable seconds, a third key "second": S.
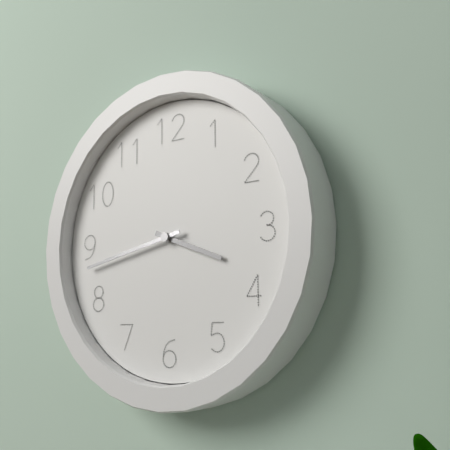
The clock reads {"hour": 3, "minute": 43}
